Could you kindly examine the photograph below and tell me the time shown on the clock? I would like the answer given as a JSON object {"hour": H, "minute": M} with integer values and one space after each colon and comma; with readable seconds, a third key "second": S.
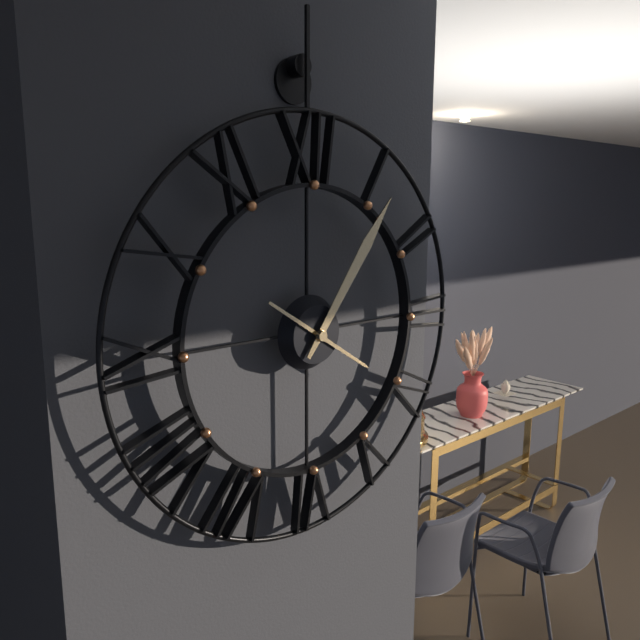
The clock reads {"hour": 4, "minute": 6}
